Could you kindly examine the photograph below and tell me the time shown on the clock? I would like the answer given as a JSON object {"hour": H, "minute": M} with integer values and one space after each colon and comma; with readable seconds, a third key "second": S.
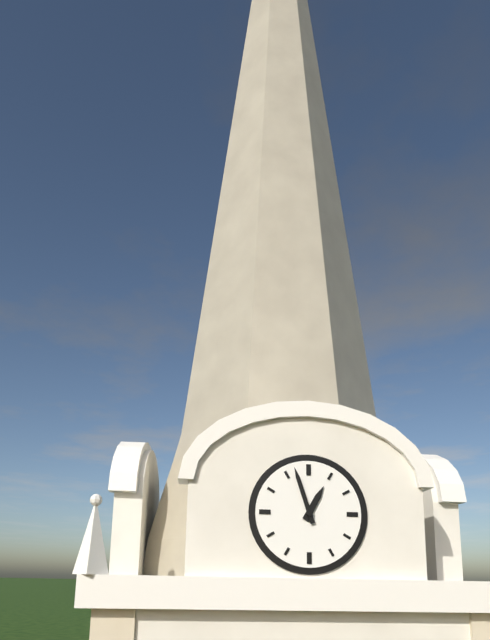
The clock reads {"hour": 12, "minute": 57}
